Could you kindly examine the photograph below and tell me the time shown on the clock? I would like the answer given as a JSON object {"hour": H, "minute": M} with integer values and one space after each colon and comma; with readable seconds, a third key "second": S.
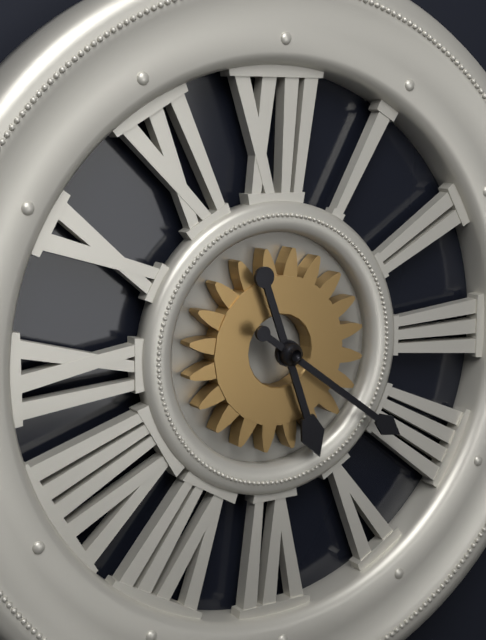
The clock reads {"hour": 5, "minute": 21}
